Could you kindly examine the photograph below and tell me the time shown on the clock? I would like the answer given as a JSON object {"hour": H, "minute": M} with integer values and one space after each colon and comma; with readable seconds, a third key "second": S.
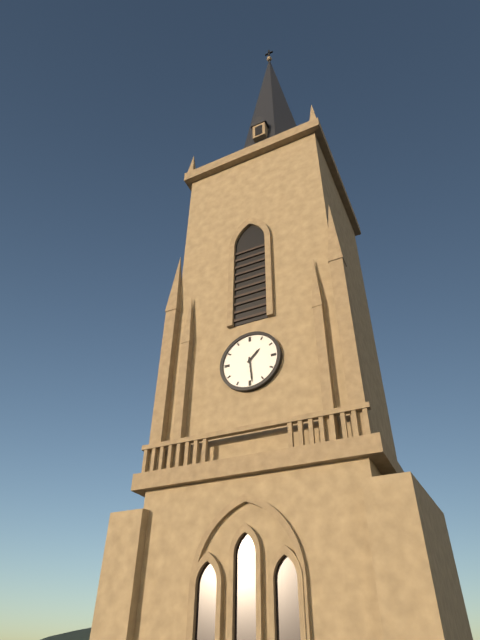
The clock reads {"hour": 1, "minute": 29}
